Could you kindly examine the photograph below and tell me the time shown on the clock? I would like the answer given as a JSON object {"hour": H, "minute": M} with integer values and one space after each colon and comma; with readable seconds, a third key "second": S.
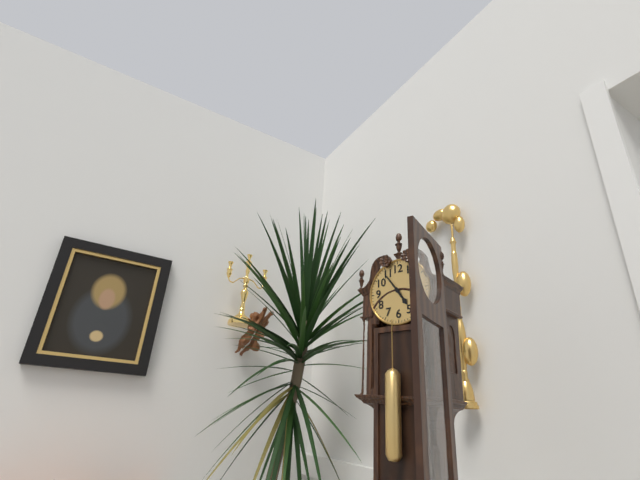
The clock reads {"hour": 4, "minute": 54}
